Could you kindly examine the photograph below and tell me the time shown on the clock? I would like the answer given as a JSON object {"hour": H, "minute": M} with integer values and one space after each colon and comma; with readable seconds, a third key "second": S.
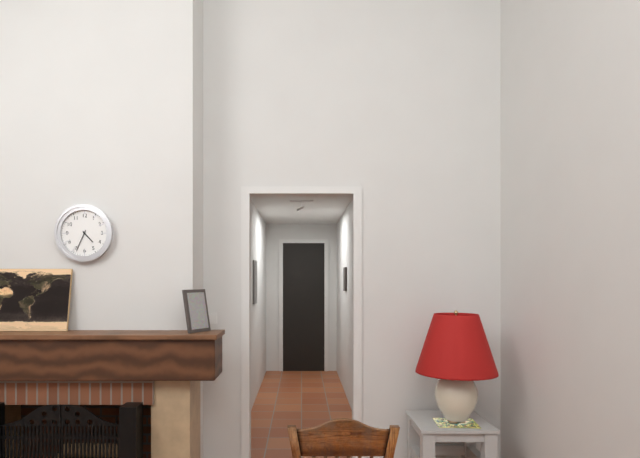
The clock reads {"hour": 4, "minute": 34}
